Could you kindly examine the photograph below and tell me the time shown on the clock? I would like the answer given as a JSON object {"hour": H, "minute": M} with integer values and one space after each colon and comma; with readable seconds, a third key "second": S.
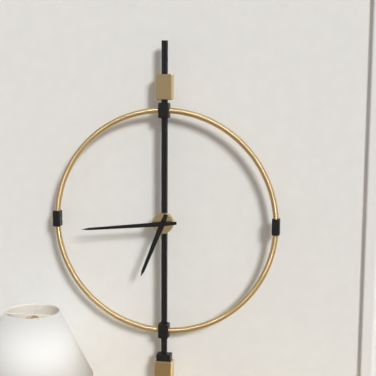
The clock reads {"hour": 6, "minute": 44}
